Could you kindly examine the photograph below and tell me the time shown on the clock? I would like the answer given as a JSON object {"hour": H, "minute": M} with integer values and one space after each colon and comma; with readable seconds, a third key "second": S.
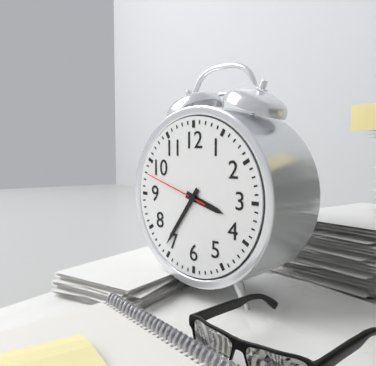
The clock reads {"hour": 3, "minute": 36, "second": 48}
